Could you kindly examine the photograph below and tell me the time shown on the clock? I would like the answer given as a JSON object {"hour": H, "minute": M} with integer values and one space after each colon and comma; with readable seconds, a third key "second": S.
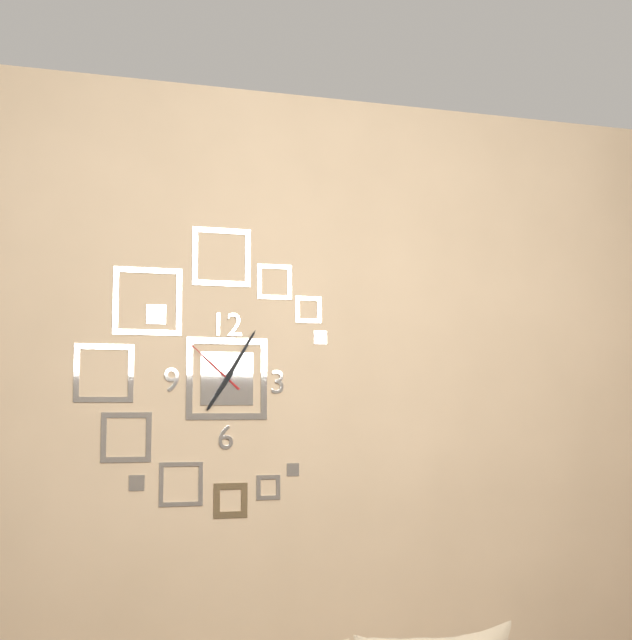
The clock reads {"hour": 7, "minute": 5, "second": 52}
